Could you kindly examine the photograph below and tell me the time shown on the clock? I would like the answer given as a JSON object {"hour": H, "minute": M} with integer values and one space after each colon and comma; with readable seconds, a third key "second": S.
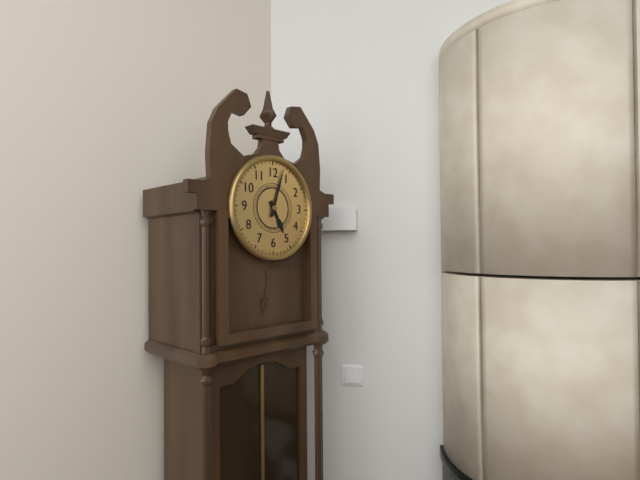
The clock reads {"hour": 5, "minute": 3}
